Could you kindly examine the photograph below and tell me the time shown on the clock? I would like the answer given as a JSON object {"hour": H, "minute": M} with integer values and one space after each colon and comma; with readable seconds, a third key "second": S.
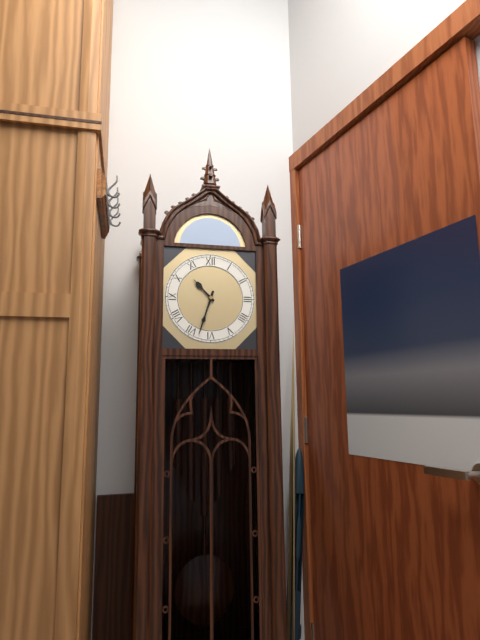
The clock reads {"hour": 10, "minute": 33}
